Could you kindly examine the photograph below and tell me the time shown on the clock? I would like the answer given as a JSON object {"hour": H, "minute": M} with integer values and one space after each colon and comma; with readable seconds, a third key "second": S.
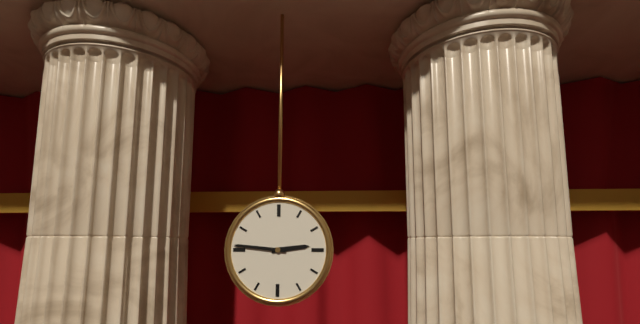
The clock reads {"hour": 2, "minute": 46}
